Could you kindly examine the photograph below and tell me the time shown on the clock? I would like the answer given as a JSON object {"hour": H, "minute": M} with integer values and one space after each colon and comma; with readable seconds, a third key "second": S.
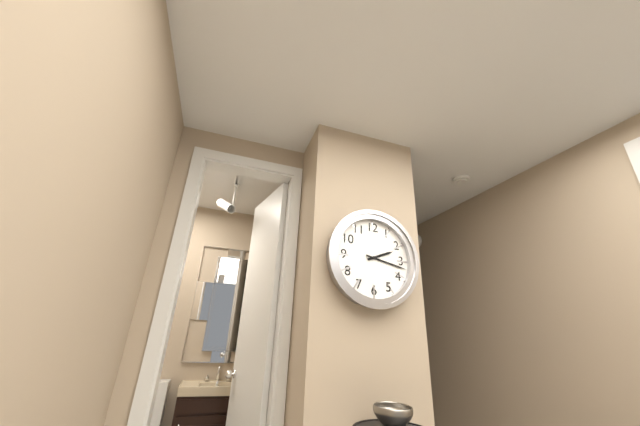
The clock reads {"hour": 2, "minute": 17}
